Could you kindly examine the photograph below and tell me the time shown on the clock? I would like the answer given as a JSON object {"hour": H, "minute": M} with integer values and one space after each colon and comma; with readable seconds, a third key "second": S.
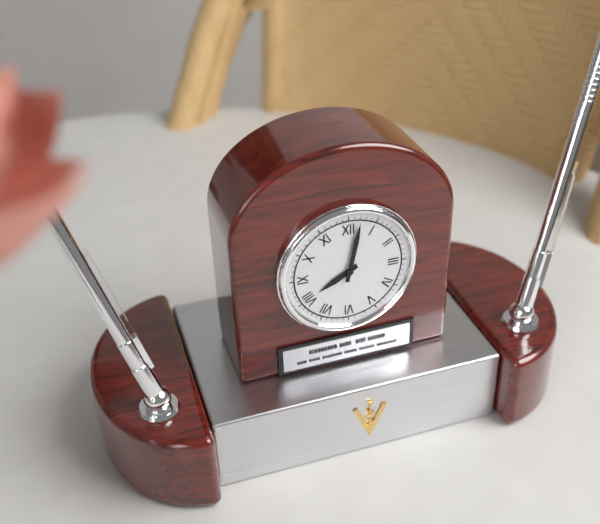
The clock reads {"hour": 8, "minute": 2}
